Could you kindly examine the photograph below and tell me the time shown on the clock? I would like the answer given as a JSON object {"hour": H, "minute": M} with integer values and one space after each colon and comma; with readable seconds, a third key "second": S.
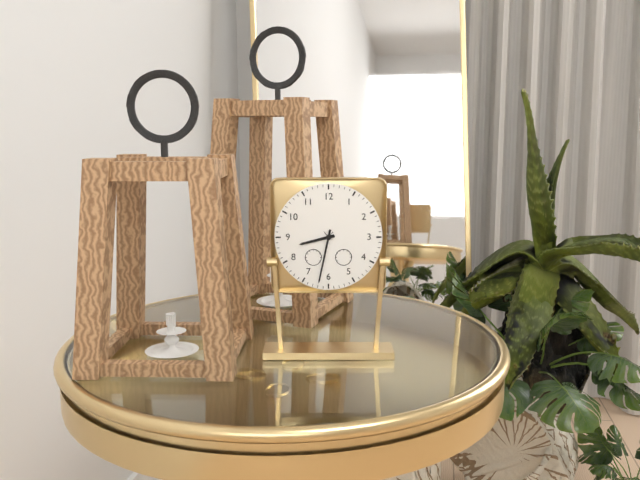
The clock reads {"hour": 8, "minute": 32}
